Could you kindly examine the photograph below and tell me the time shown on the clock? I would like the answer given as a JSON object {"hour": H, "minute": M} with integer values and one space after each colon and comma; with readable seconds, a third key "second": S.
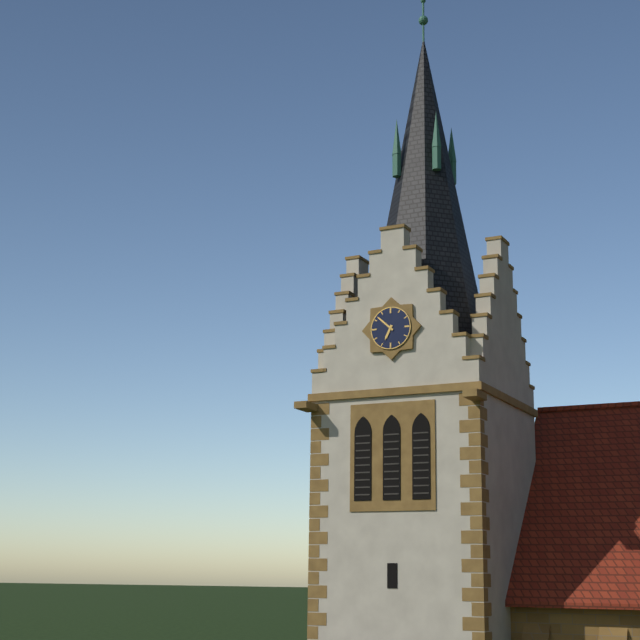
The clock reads {"hour": 6, "minute": 52}
